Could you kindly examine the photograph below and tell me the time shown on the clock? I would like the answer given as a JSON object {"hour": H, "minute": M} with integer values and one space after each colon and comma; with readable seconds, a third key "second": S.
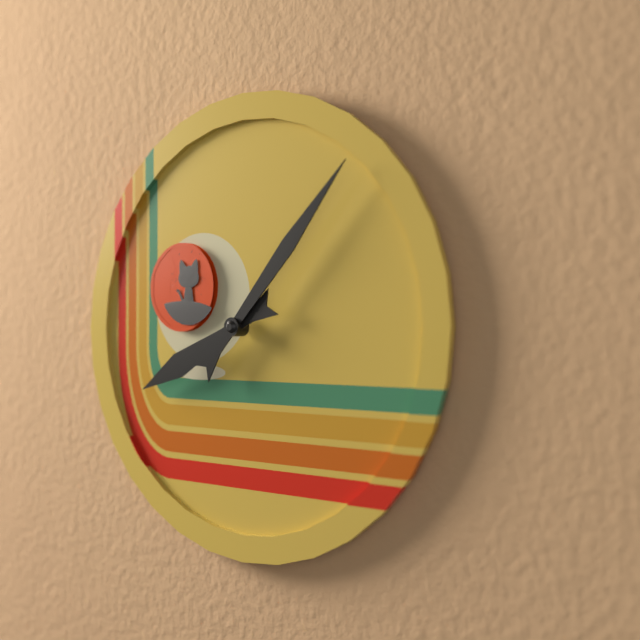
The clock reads {"hour": 8, "minute": 7}
